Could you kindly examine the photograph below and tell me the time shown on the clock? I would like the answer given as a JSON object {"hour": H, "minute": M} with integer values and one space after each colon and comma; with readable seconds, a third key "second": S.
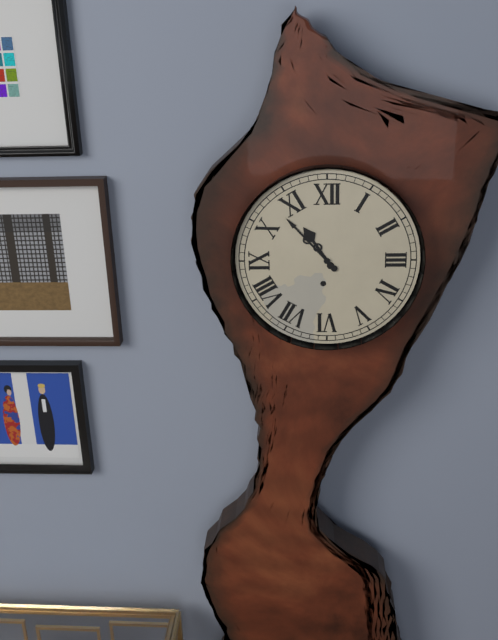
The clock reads {"hour": 10, "minute": 53}
